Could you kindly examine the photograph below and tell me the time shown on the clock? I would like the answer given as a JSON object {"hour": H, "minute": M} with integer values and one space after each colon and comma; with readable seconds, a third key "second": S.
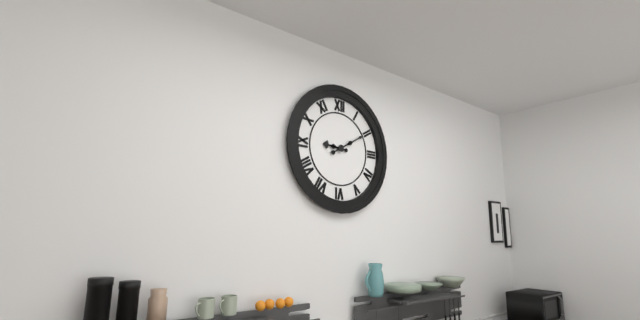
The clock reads {"hour": 9, "minute": 10}
